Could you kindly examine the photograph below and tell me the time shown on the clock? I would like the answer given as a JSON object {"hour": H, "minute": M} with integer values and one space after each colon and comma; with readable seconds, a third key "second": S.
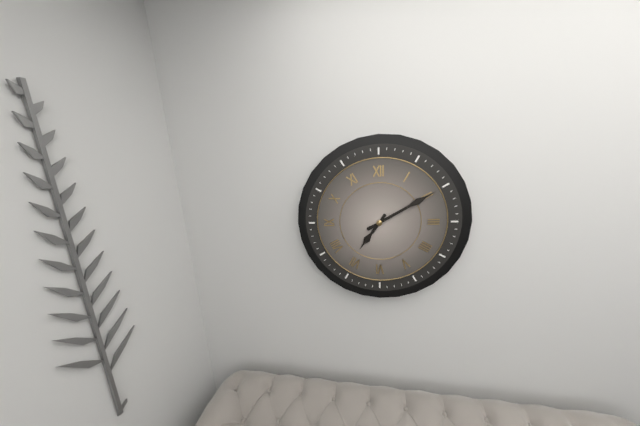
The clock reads {"hour": 7, "minute": 10}
